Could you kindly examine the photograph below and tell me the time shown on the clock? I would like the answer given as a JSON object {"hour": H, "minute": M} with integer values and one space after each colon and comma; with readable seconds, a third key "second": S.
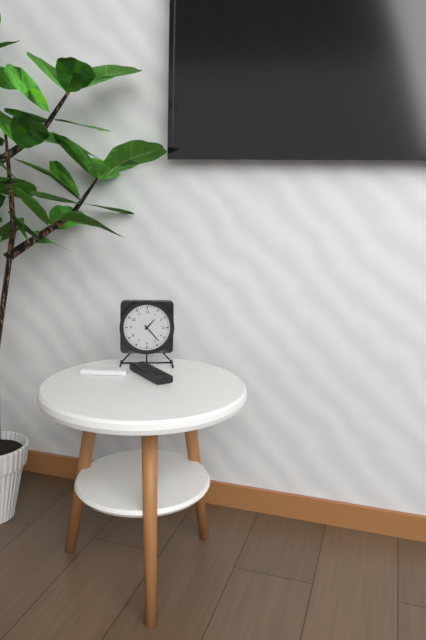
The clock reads {"hour": 1, "minute": 23}
